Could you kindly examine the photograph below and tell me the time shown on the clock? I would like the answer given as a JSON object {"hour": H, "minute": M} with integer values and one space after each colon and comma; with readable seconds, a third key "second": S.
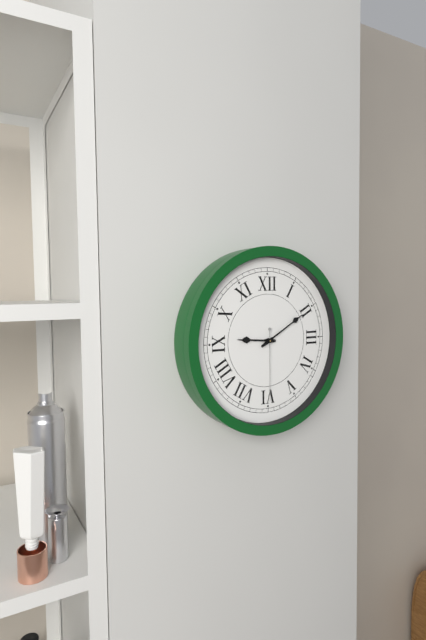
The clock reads {"hour": 9, "minute": 10, "second": 30}
